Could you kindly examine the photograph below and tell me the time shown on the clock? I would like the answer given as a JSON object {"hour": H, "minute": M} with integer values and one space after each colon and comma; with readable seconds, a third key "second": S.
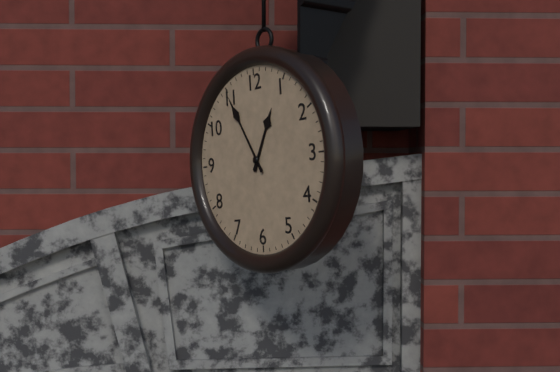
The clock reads {"hour": 12, "minute": 55}
